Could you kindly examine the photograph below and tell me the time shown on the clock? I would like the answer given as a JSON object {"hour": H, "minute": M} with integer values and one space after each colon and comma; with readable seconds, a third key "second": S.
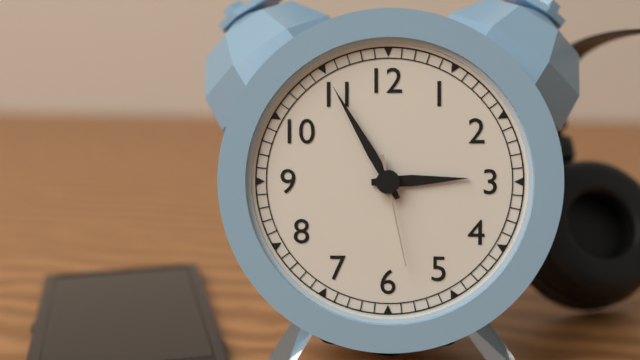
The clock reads {"hour": 2, "minute": 55, "second": 28}
